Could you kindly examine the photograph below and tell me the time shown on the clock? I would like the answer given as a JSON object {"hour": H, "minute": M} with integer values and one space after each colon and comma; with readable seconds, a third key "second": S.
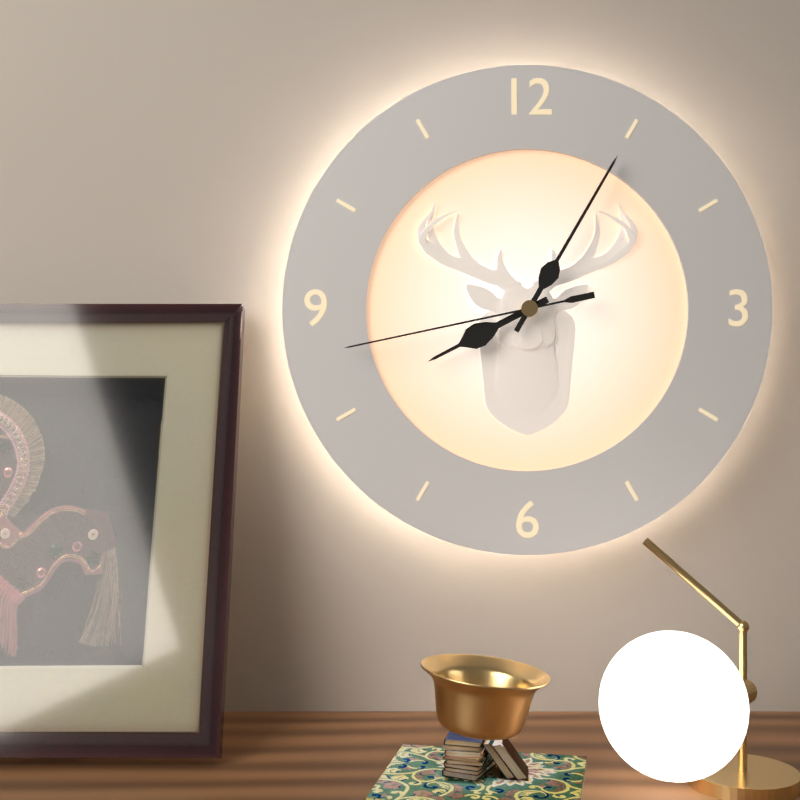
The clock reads {"hour": 8, "minute": 5, "second": 43}
